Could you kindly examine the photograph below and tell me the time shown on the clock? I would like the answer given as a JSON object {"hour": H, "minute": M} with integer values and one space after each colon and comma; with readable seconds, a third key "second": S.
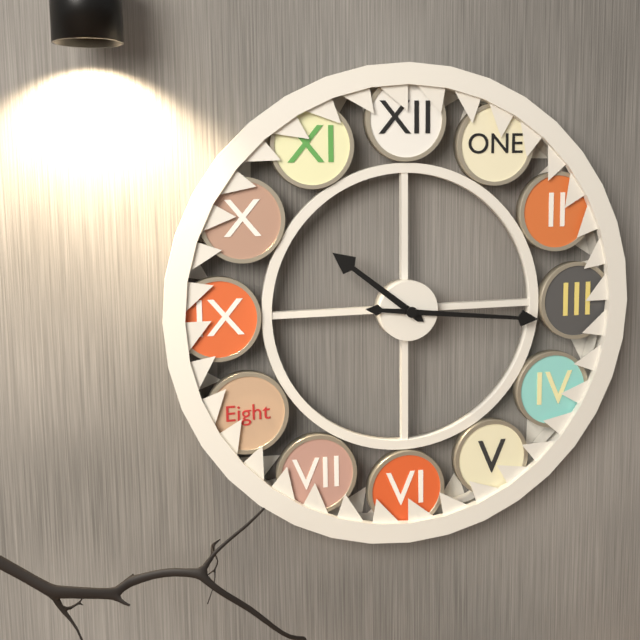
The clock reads {"hour": 10, "minute": 16}
